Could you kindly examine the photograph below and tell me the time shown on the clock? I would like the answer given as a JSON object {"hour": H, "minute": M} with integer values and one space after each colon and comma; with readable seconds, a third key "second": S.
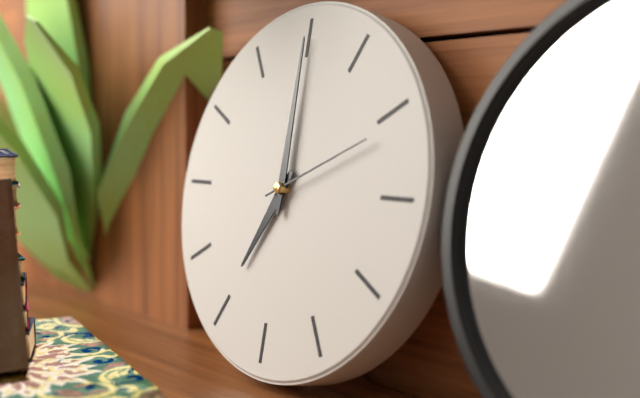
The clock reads {"hour": 7, "minute": 0, "second": 11}
